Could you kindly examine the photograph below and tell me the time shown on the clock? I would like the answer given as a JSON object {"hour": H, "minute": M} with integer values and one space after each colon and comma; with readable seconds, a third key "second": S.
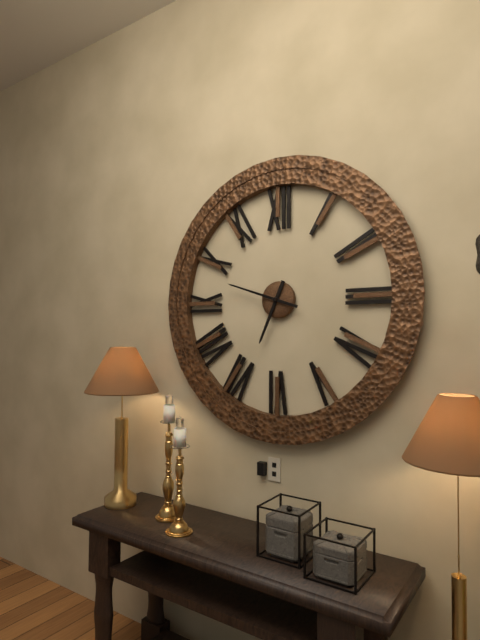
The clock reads {"hour": 6, "minute": 48}
